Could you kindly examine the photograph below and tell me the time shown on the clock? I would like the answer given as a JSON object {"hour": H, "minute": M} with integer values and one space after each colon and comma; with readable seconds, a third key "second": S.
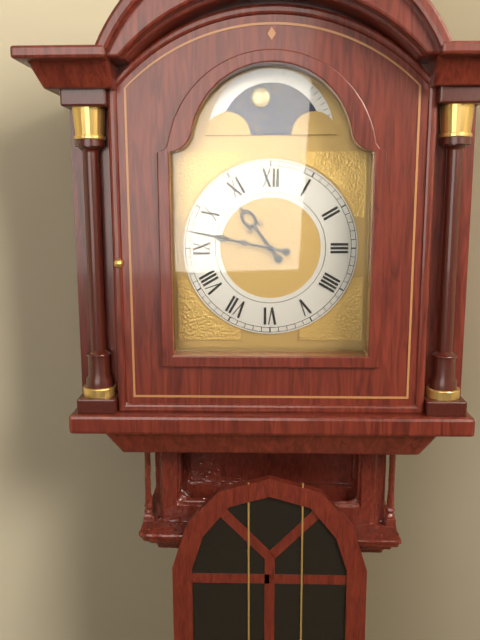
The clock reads {"hour": 10, "minute": 47}
